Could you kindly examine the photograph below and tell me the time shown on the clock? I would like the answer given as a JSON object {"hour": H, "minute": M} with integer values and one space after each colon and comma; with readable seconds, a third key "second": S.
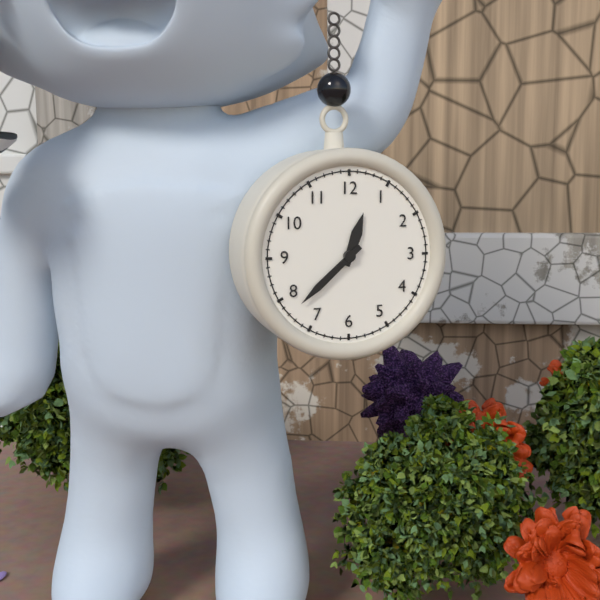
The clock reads {"hour": 12, "minute": 38}
